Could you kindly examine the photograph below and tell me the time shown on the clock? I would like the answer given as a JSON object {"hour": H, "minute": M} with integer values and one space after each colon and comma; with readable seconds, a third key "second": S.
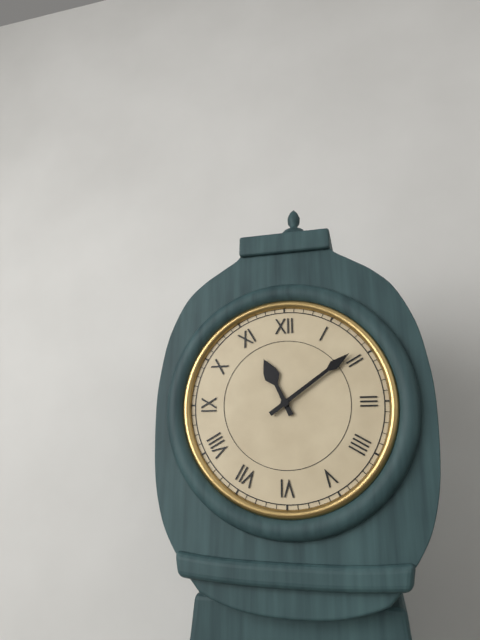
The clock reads {"hour": 11, "minute": 9}
